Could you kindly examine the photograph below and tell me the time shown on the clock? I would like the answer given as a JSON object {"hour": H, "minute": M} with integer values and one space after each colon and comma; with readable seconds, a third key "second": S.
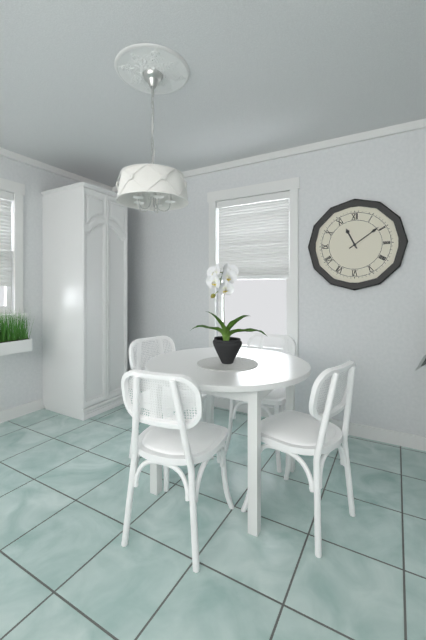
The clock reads {"hour": 11, "minute": 9}
